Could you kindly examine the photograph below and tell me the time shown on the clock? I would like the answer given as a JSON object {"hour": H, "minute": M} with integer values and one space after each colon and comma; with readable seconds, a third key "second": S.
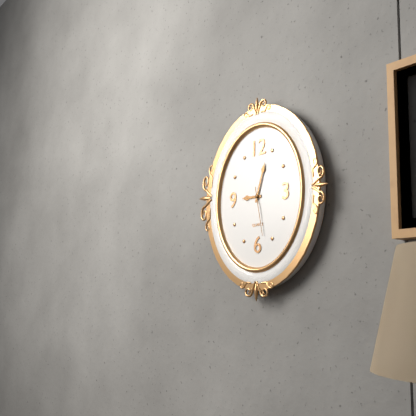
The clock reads {"hour": 9, "minute": 3}
